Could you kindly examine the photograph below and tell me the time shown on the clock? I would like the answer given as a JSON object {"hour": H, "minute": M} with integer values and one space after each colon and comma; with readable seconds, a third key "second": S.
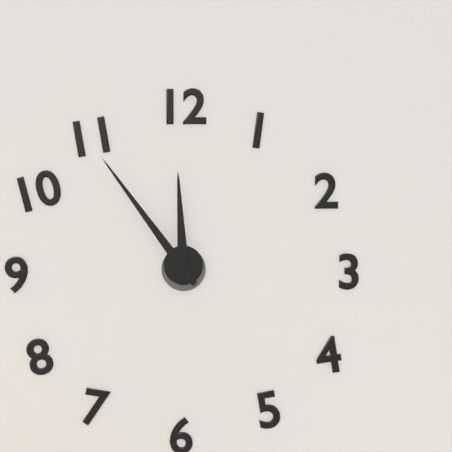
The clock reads {"hour": 11, "minute": 54}
